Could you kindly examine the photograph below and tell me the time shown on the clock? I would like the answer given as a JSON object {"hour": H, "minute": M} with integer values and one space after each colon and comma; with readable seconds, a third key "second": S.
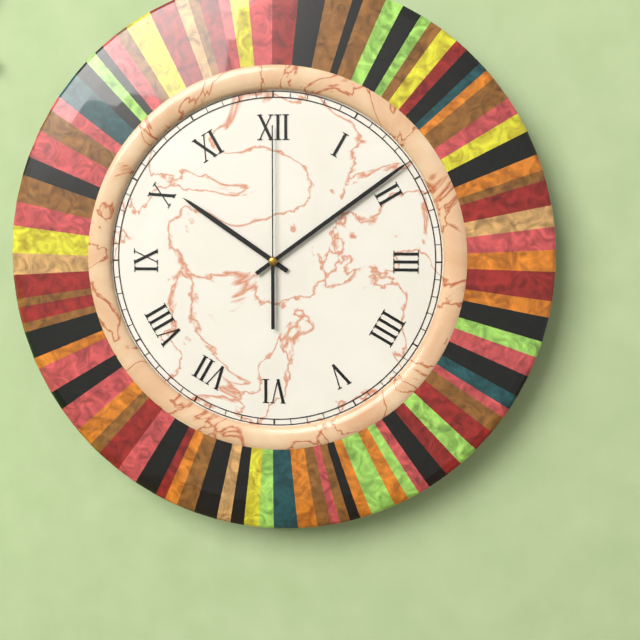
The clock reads {"hour": 10, "minute": 9, "second": 0}
